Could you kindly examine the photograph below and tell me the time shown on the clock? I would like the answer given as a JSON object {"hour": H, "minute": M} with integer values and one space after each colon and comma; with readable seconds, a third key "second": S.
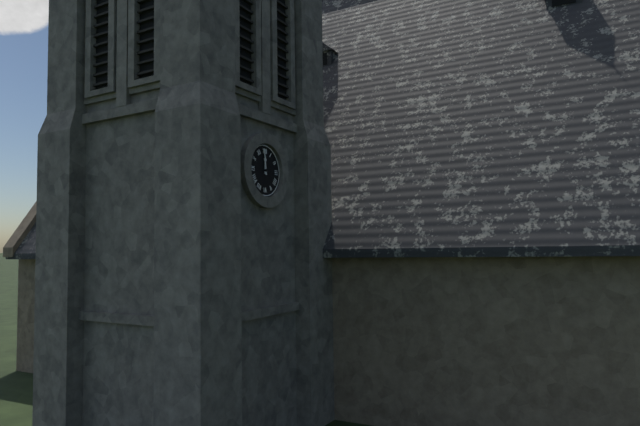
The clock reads {"hour": 11, "minute": 59}
